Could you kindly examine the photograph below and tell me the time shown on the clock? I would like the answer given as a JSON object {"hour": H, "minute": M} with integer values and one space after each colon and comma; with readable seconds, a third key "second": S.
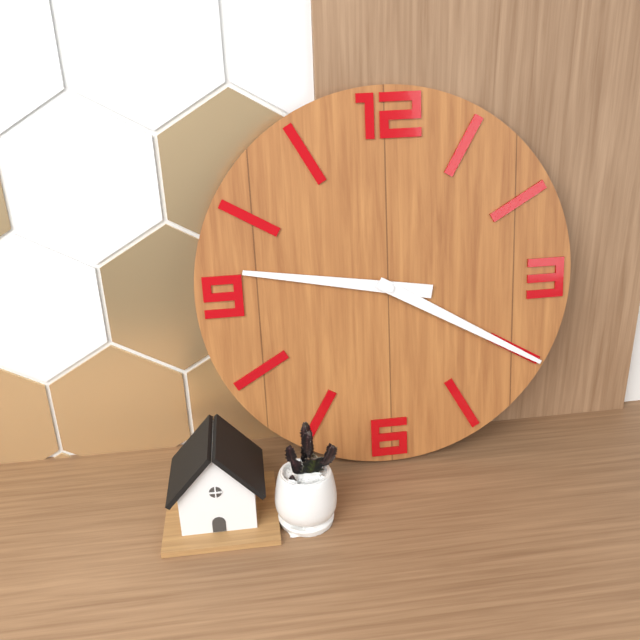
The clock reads {"hour": 9, "minute": 20}
